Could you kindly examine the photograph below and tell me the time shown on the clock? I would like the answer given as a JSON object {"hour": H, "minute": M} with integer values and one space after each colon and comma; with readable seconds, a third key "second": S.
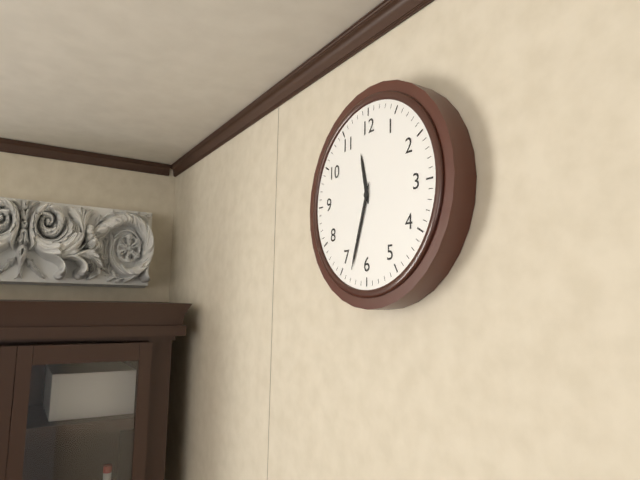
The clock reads {"hour": 11, "minute": 33}
